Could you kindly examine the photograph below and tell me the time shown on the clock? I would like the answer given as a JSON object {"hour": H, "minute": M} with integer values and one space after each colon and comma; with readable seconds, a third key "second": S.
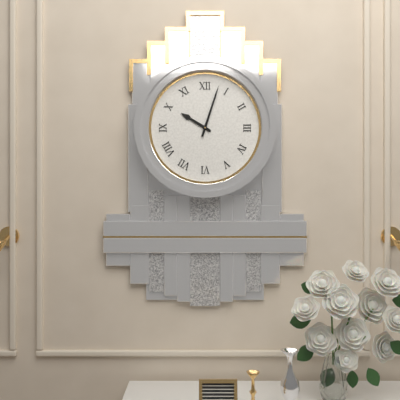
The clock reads {"hour": 10, "minute": 3}
